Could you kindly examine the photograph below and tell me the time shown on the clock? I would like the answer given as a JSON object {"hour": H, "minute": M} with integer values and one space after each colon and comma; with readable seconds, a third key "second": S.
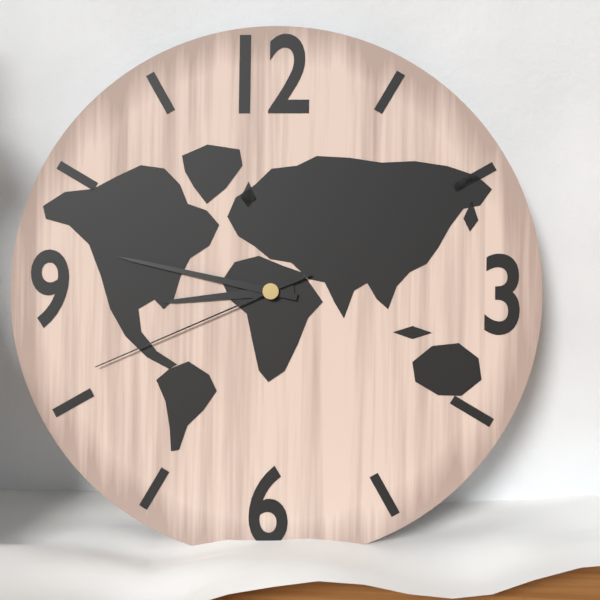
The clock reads {"hour": 8, "minute": 47, "second": 41}
